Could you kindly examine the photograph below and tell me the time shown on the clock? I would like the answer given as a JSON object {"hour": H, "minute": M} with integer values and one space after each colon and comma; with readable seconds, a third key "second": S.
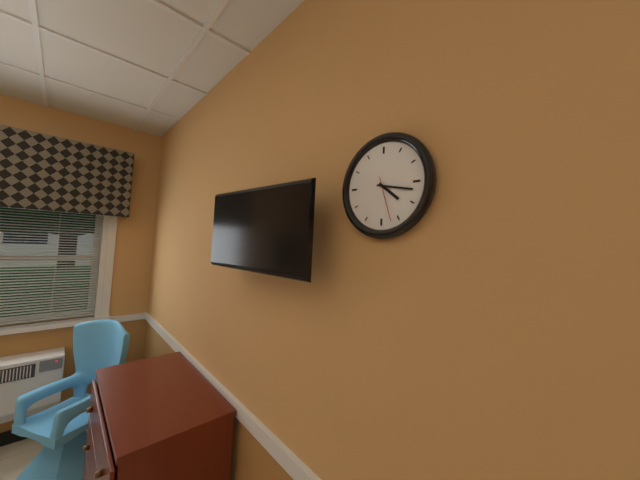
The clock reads {"hour": 4, "minute": 17}
